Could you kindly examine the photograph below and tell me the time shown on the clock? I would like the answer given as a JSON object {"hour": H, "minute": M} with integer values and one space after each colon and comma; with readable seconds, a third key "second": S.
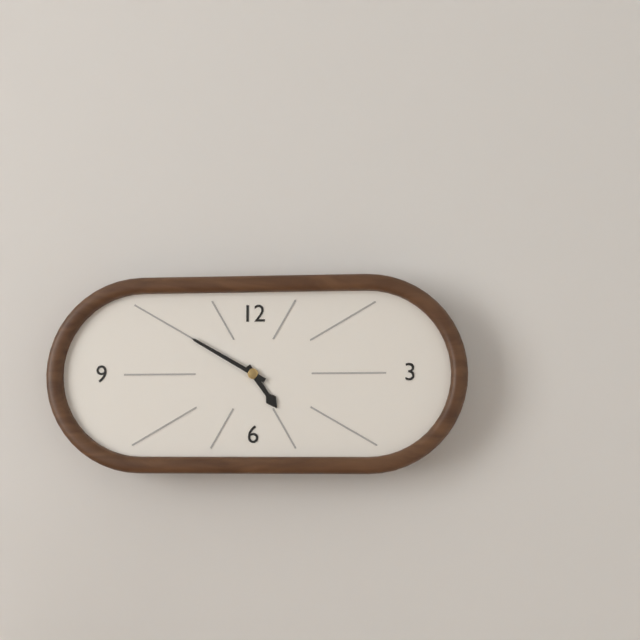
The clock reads {"hour": 4, "minute": 50}
